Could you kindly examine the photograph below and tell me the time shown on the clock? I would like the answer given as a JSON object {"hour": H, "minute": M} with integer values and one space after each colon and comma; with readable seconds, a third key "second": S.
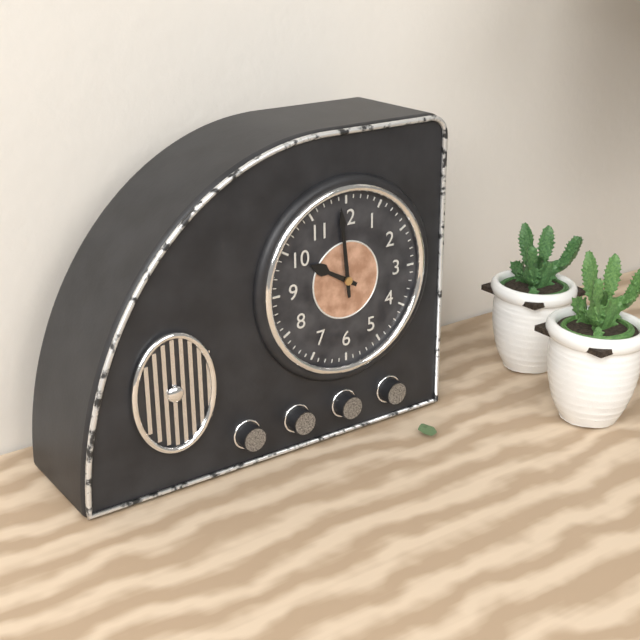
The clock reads {"hour": 9, "minute": 59}
